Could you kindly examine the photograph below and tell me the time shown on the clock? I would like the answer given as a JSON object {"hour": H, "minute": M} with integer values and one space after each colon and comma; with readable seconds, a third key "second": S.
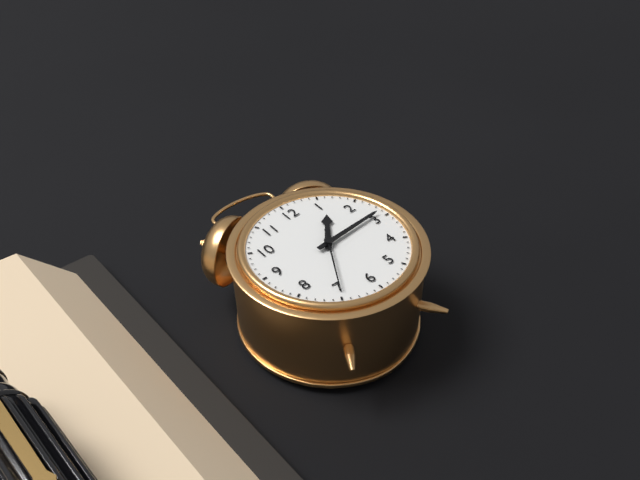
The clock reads {"hour": 1, "minute": 14, "second": 35}
